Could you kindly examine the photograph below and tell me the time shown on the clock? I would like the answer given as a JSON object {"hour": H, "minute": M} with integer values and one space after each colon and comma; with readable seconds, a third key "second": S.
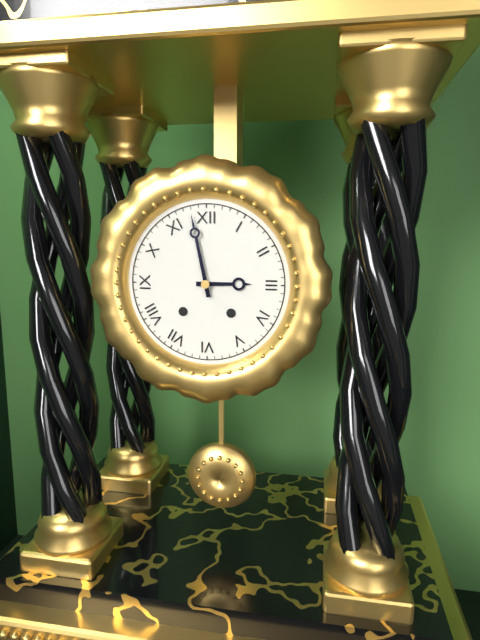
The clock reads {"hour": 2, "minute": 58}
